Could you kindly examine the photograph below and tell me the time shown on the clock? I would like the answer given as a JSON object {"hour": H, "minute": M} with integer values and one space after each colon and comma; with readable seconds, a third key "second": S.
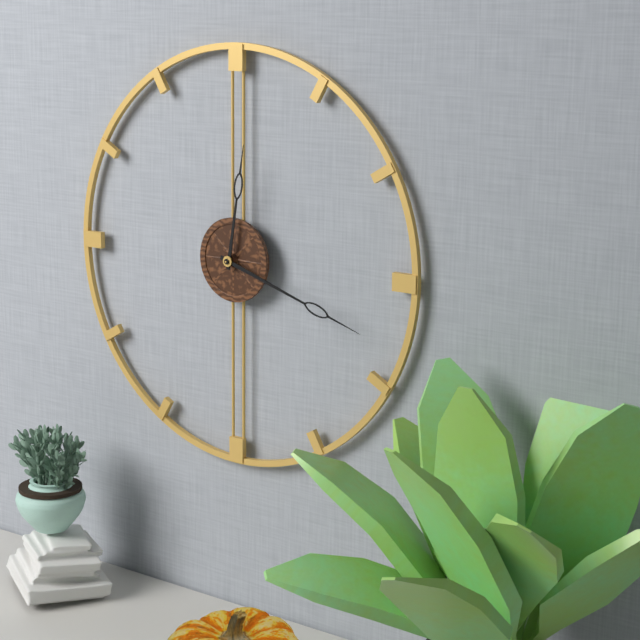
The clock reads {"hour": 12, "minute": 18}
